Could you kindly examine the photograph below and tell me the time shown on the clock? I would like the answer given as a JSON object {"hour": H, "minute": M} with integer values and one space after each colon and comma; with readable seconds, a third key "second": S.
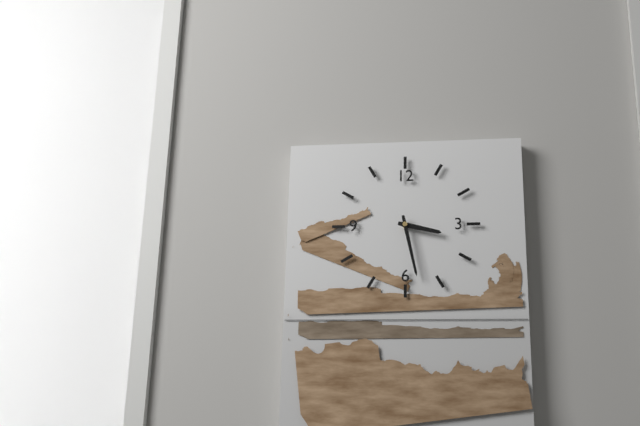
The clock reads {"hour": 3, "minute": 28}
